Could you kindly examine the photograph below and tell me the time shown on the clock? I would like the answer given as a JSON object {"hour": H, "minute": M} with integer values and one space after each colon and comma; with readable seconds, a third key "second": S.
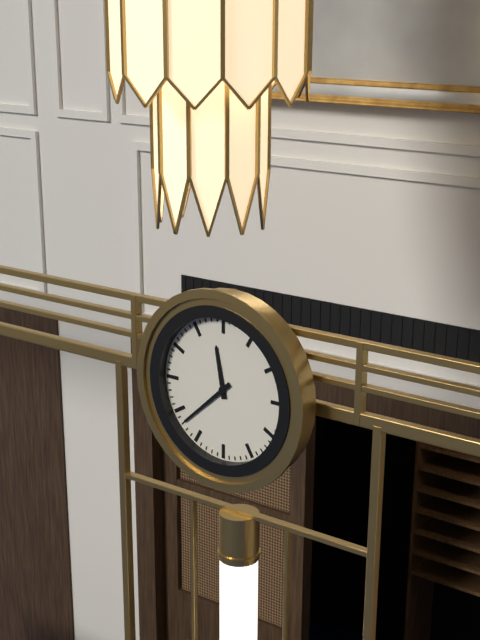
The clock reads {"hour": 11, "minute": 38}
